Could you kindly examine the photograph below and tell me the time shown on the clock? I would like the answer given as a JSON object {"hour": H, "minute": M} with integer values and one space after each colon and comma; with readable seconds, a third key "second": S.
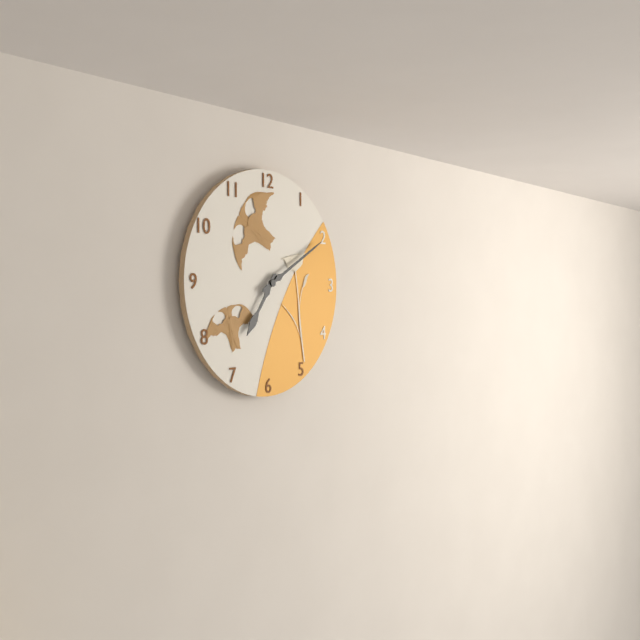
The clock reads {"hour": 7, "minute": 10}
